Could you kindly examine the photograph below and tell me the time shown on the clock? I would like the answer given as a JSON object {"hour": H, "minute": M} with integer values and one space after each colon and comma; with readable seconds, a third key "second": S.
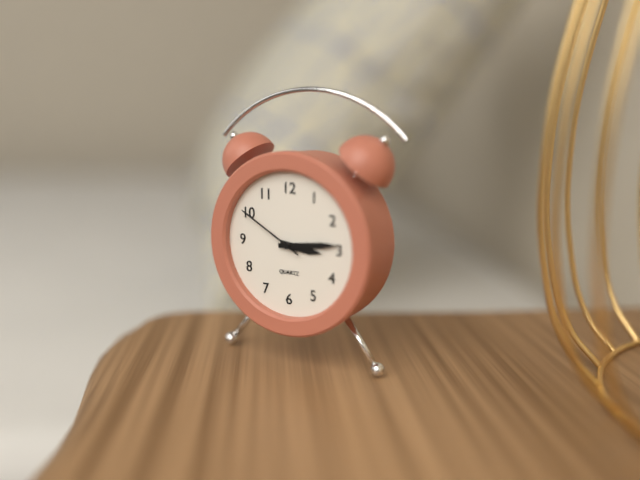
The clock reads {"hour": 3, "minute": 14, "second": 50}
